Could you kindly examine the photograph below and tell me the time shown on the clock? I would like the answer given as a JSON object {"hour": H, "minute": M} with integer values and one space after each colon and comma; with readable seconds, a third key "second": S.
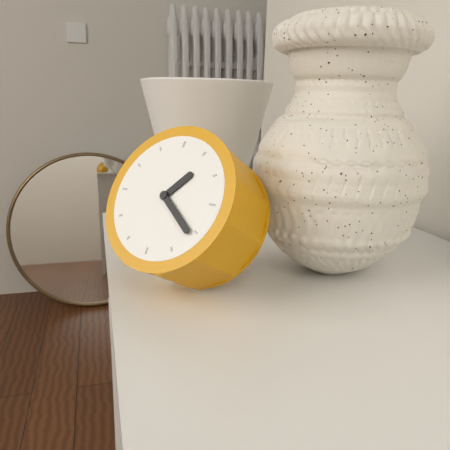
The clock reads {"hour": 1, "minute": 21}
